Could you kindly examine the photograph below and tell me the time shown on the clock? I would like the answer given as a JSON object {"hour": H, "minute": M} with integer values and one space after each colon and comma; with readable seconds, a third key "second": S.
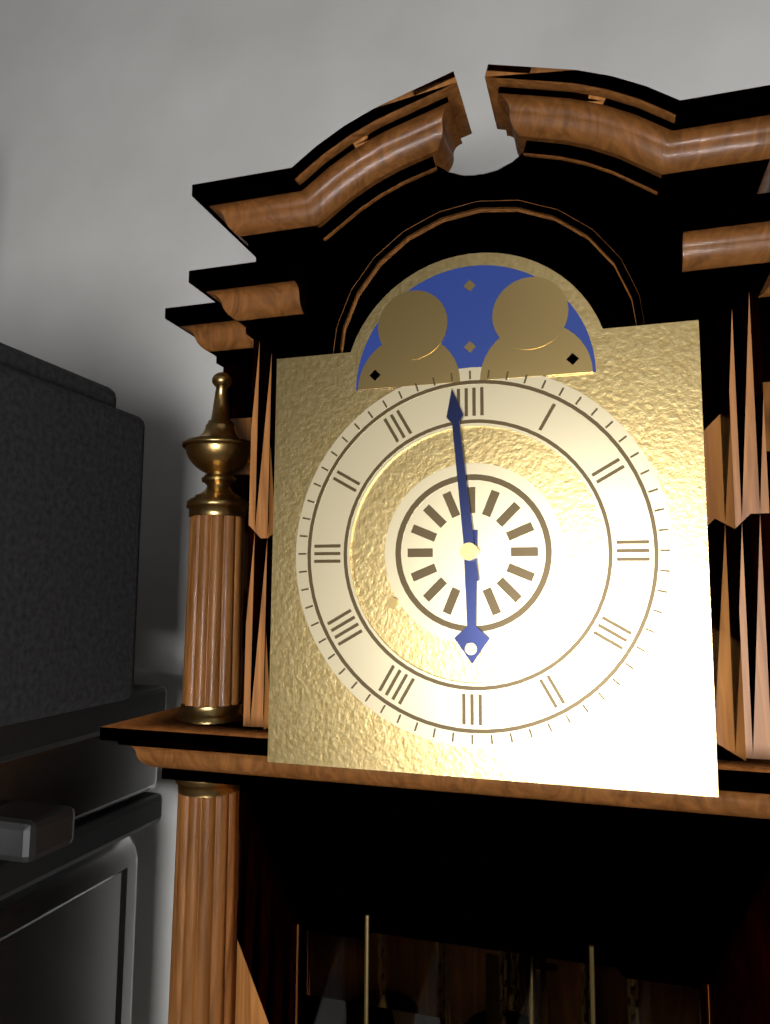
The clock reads {"hour": 5, "minute": 59}
